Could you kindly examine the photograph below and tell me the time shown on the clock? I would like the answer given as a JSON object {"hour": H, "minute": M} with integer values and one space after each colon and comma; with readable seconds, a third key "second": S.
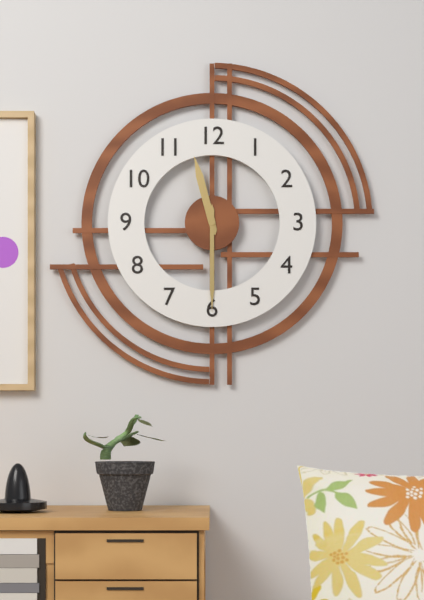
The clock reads {"hour": 11, "minute": 30}
